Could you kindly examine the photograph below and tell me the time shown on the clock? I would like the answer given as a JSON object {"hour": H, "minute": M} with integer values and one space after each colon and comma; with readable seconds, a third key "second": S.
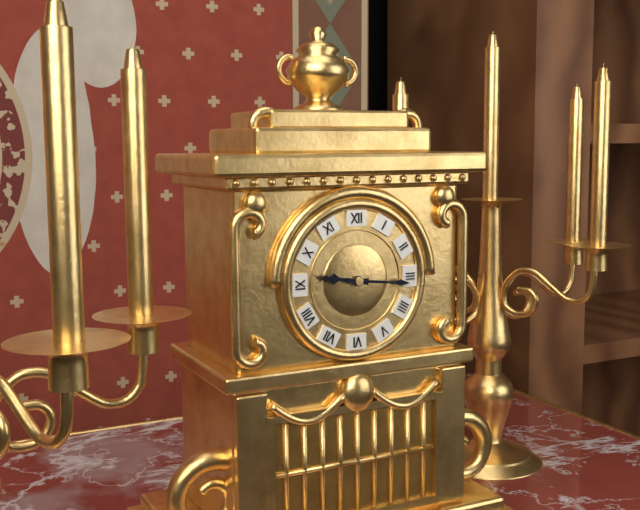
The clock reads {"hour": 9, "minute": 16}
